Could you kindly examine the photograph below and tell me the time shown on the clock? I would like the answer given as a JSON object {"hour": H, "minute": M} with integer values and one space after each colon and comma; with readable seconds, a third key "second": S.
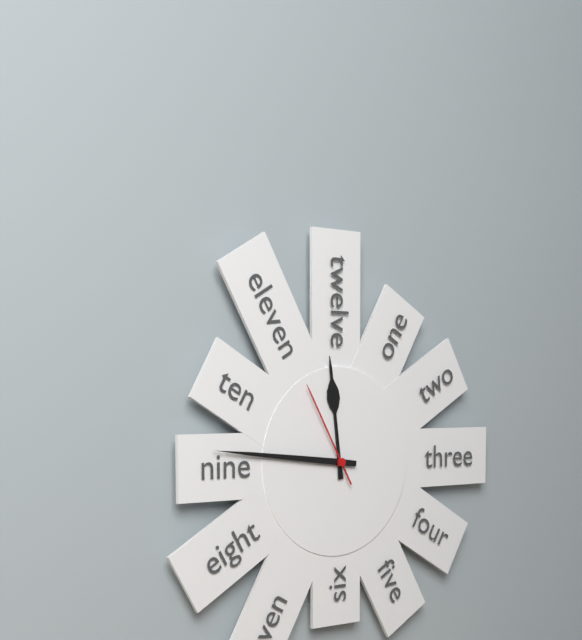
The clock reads {"hour": 11, "minute": 46, "second": 55}
